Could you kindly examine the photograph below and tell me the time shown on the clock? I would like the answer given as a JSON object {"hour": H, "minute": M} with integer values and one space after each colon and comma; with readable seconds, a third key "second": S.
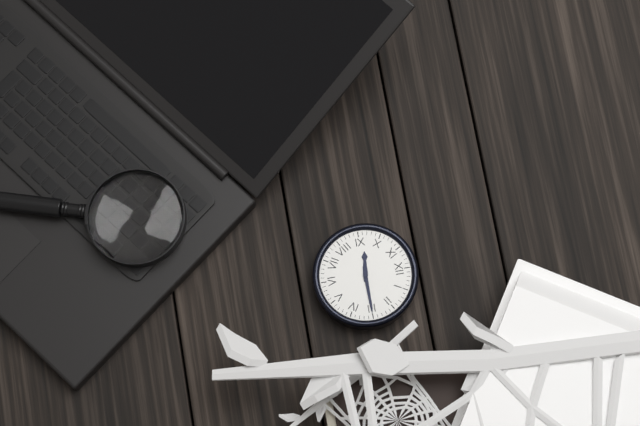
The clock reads {"hour": 9, "minute": 15}
